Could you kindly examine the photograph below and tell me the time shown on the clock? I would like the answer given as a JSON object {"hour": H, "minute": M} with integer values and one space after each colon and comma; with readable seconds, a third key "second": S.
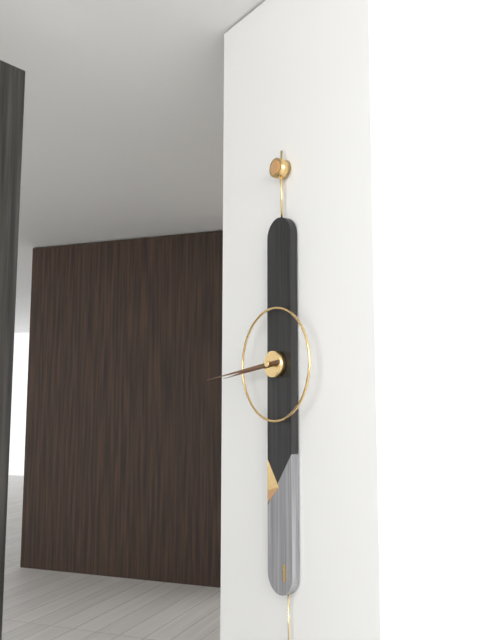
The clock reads {"hour": 8, "minute": 44}
